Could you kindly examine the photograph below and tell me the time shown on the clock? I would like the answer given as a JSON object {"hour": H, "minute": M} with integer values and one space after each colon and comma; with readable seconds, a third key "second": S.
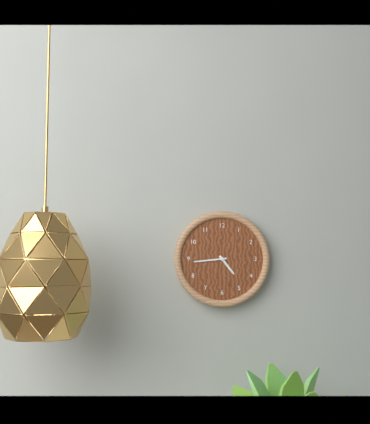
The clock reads {"hour": 4, "minute": 44}
